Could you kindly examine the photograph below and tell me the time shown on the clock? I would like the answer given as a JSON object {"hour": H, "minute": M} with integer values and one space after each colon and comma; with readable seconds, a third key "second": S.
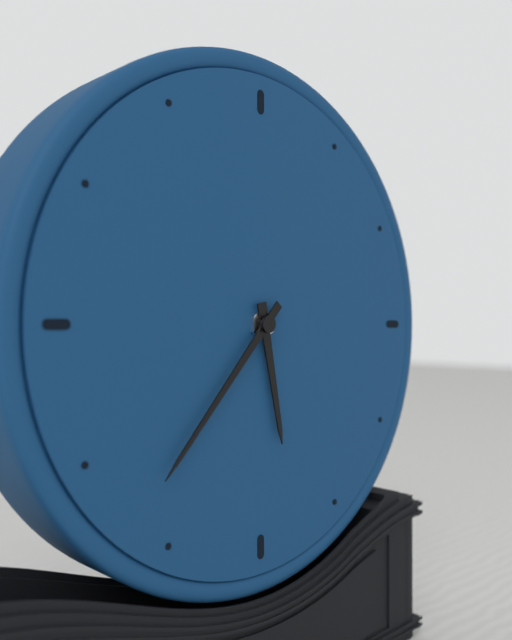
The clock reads {"hour": 5, "minute": 37}
